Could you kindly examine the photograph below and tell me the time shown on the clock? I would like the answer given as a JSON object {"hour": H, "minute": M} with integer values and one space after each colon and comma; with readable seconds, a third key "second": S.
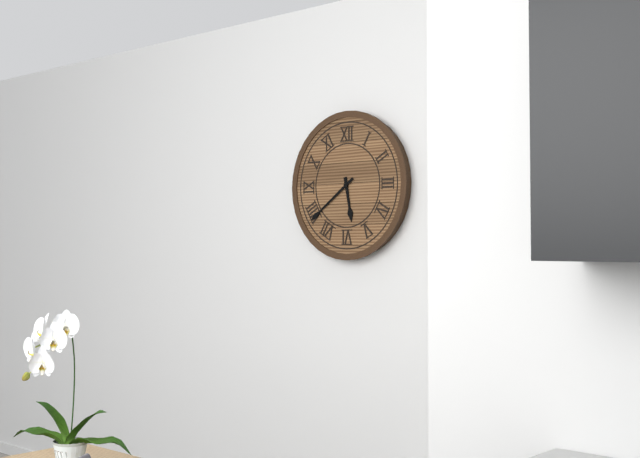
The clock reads {"hour": 5, "minute": 39}
